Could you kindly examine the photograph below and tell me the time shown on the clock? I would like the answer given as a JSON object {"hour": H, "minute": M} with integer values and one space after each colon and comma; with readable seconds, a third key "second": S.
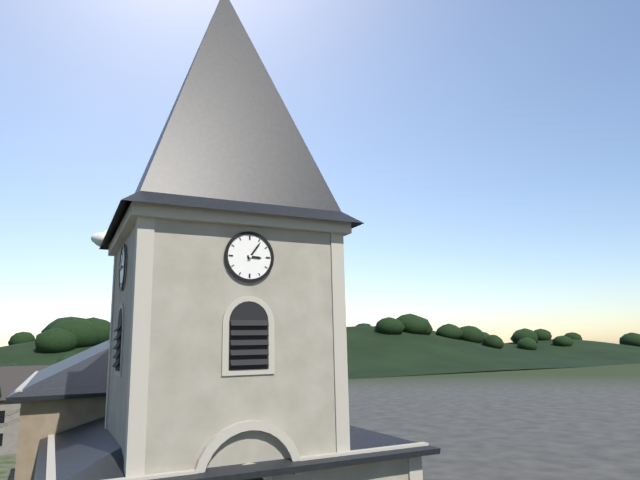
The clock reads {"hour": 3, "minute": 6}
